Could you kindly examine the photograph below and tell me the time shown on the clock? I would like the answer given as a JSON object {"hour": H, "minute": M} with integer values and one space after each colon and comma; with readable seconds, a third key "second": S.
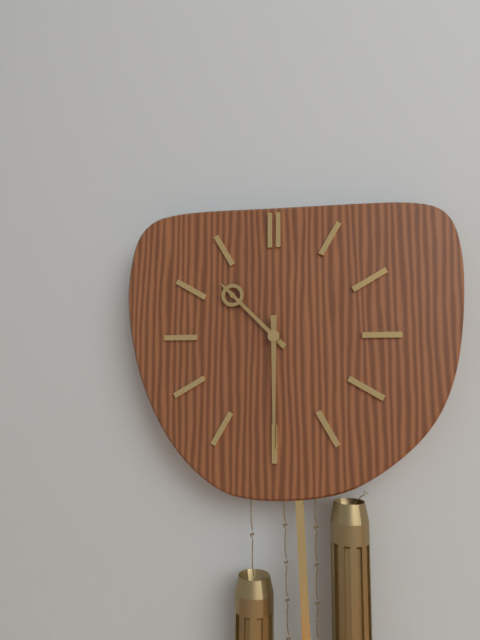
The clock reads {"hour": 10, "minute": 30}
